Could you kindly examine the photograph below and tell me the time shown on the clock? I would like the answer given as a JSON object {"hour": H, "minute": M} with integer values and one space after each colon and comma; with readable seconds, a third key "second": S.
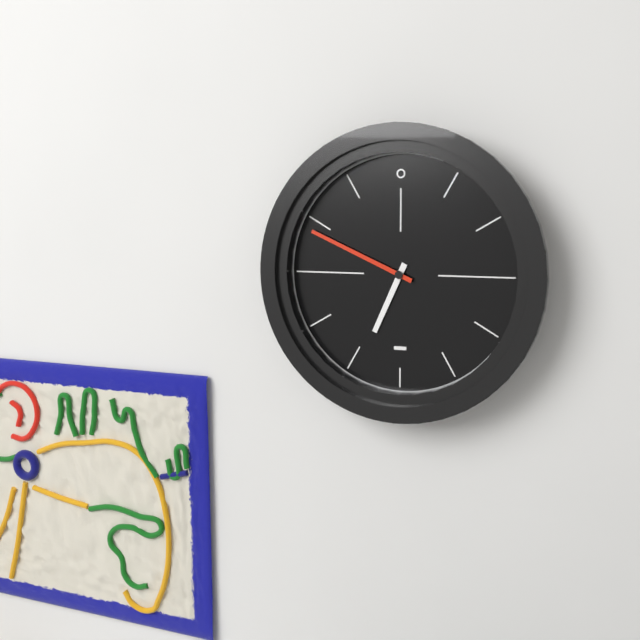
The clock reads {"hour": 6, "minute": 49}
